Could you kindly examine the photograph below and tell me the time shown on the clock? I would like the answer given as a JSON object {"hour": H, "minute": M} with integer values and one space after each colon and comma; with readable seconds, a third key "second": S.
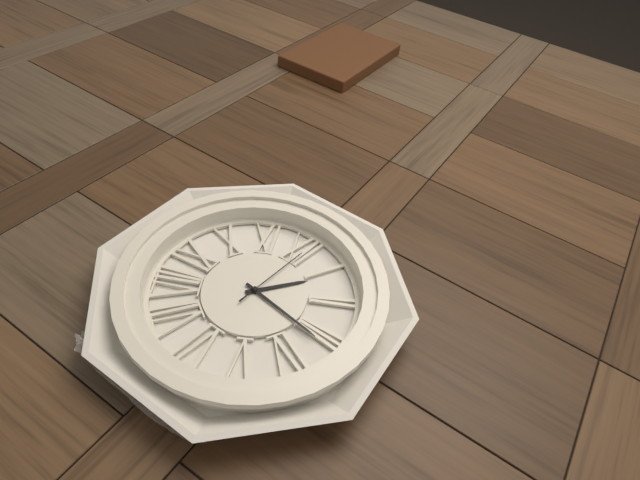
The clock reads {"hour": 1, "minute": 16, "second": 1}
